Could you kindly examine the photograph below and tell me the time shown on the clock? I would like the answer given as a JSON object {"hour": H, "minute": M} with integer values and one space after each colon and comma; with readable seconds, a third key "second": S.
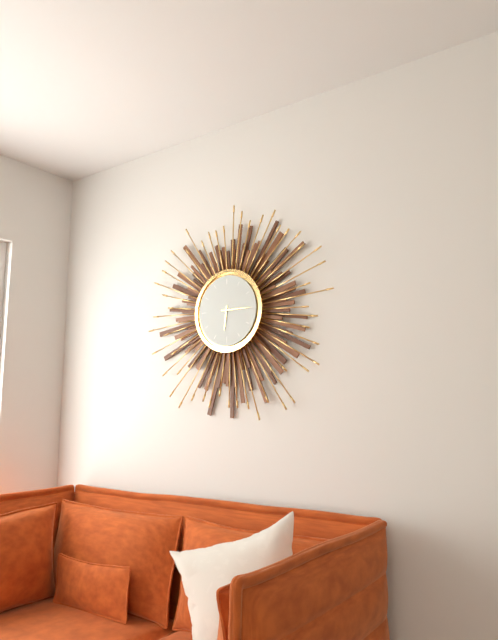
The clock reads {"hour": 6, "minute": 15}
